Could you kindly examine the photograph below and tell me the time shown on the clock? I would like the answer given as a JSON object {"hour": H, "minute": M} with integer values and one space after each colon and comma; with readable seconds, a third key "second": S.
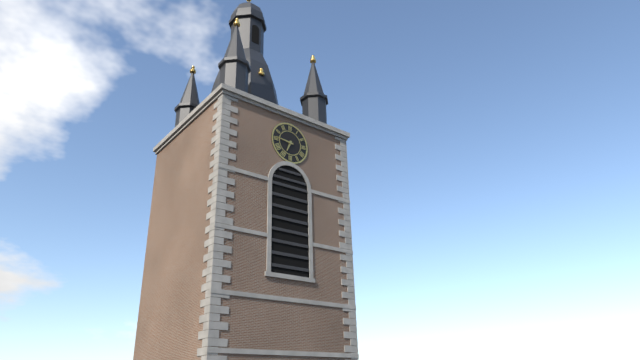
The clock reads {"hour": 6, "minute": 46}
